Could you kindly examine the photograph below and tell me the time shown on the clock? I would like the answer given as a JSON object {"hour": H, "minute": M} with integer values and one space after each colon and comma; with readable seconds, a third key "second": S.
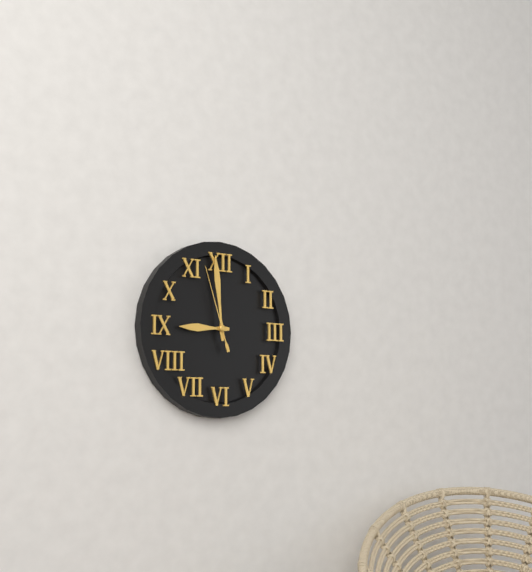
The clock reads {"hour": 8, "minute": 59, "second": 57}
